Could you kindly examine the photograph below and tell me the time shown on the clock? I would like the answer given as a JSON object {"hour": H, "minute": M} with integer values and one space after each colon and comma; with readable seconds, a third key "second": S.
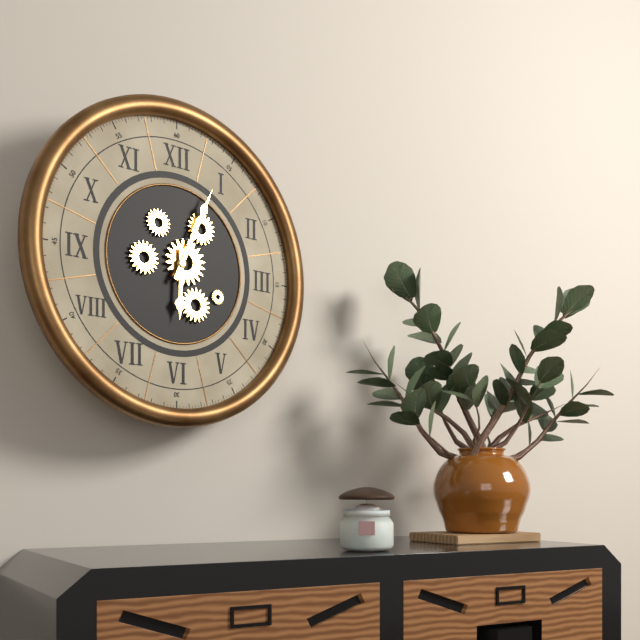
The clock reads {"hour": 6, "minute": 4}
